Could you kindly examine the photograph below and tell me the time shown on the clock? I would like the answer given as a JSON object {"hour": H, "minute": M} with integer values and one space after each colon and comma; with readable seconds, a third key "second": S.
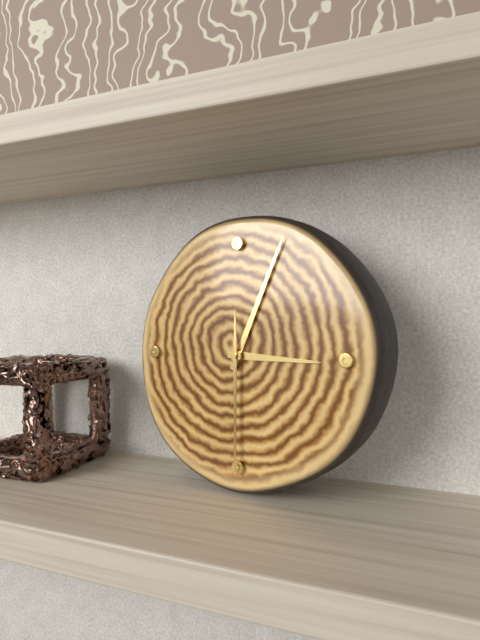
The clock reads {"hour": 3, "minute": 4, "second": 30}
